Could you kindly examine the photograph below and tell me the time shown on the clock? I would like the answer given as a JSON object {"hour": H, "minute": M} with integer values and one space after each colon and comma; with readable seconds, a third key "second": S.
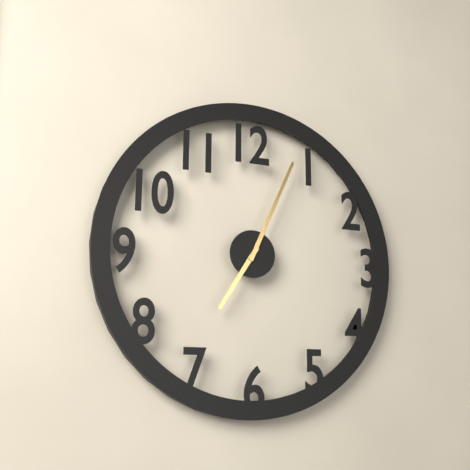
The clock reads {"hour": 7, "minute": 4}
